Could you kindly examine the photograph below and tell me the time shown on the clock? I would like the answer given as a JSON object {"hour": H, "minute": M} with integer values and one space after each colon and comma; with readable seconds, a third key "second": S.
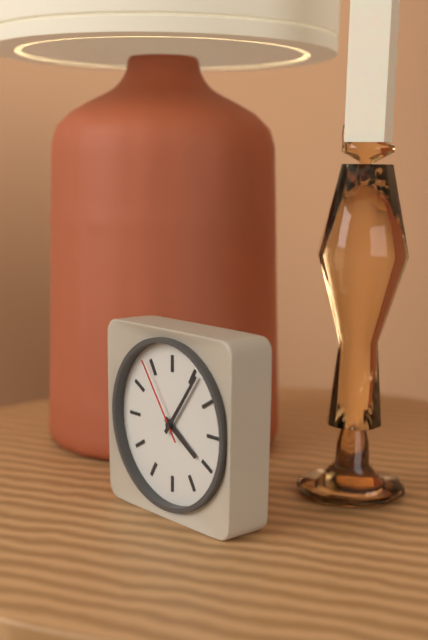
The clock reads {"hour": 4, "minute": 6, "second": 54}
